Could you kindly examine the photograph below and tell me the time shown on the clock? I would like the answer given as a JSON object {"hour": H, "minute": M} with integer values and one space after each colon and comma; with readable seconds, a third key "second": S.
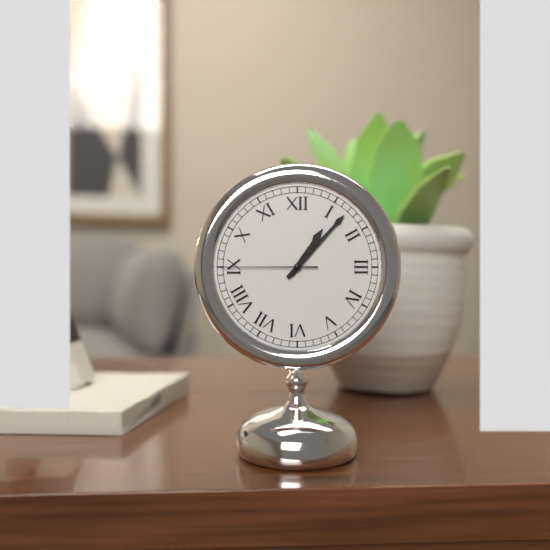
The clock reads {"hour": 1, "minute": 7, "second": 45}
